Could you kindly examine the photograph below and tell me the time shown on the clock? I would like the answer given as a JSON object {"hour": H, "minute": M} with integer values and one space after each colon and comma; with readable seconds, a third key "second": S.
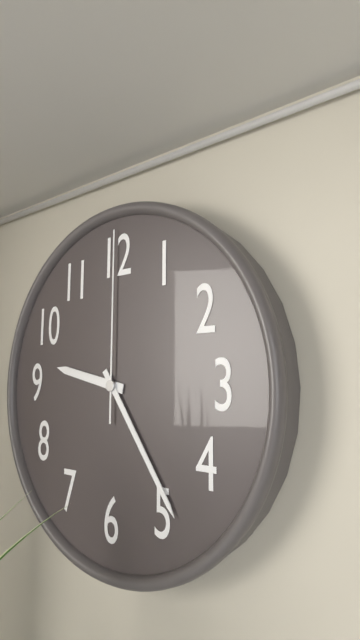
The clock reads {"hour": 9, "minute": 24, "second": 0}
